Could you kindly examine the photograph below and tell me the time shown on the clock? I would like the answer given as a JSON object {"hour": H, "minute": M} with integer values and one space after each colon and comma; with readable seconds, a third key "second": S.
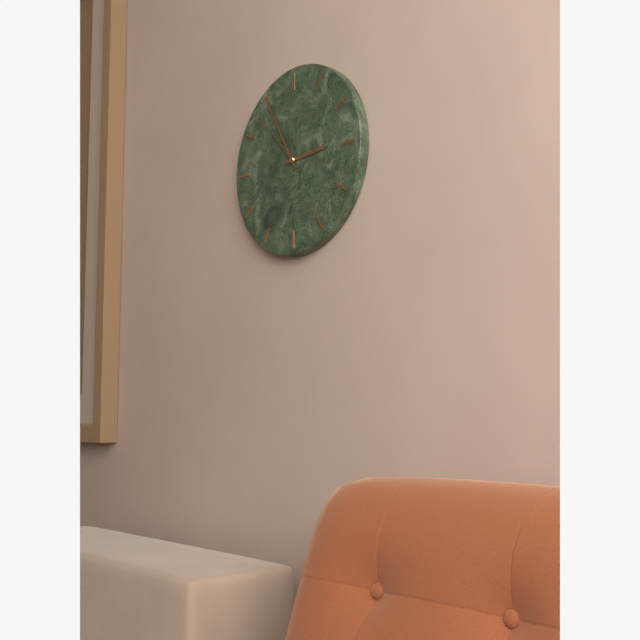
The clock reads {"hour": 2, "minute": 55, "second": 53}
